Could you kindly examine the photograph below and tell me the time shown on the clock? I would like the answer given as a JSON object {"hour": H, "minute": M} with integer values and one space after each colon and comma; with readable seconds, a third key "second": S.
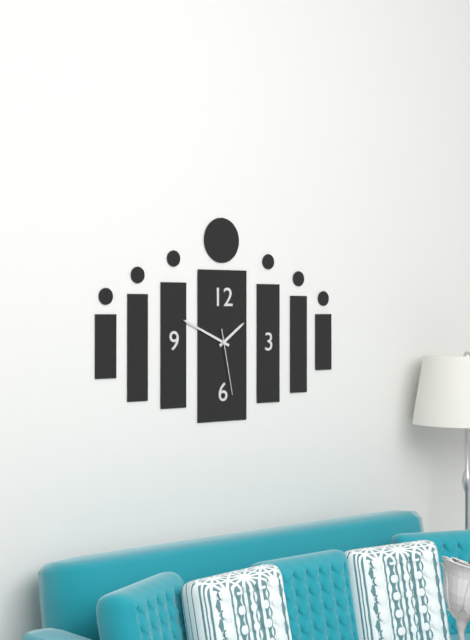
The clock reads {"hour": 1, "minute": 49, "second": 28}
